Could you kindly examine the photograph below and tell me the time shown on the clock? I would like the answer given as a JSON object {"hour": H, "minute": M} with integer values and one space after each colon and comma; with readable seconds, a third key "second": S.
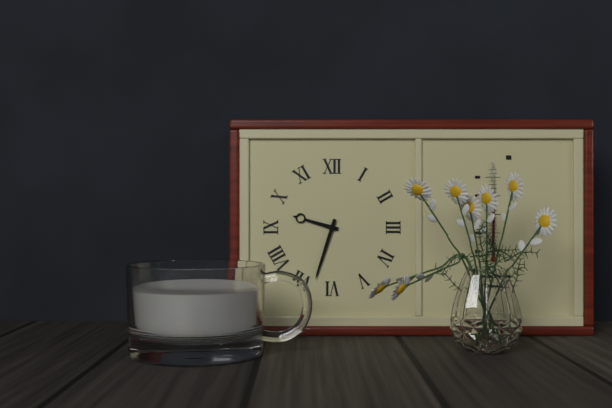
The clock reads {"hour": 9, "minute": 33}
